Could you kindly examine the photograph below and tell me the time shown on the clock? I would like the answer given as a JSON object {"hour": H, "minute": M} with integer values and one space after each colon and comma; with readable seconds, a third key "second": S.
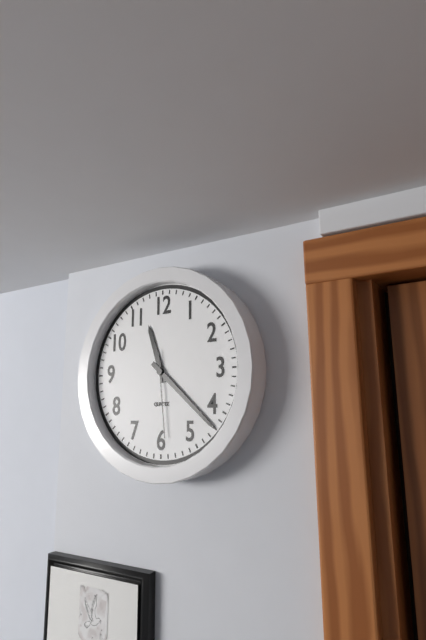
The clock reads {"hour": 11, "minute": 22, "second": 29}
